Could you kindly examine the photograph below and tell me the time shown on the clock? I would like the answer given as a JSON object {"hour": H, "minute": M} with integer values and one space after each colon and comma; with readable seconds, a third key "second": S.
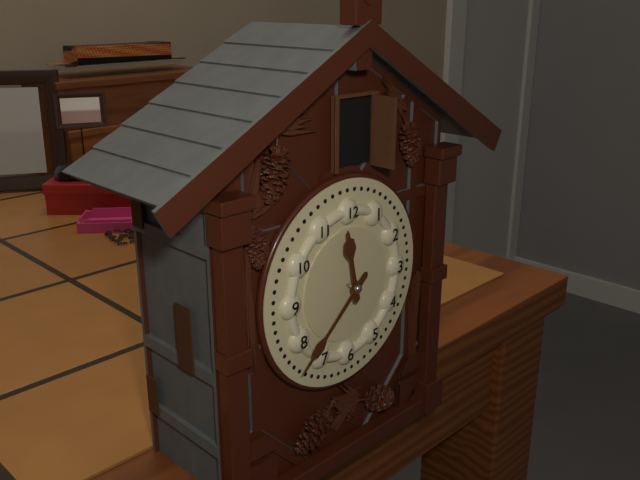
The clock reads {"hour": 11, "minute": 38}
